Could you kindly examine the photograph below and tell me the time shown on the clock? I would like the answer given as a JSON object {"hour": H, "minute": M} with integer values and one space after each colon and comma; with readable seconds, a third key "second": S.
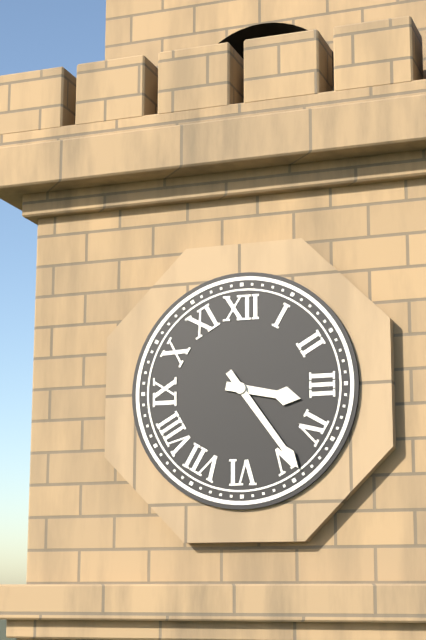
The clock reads {"hour": 3, "minute": 24}
